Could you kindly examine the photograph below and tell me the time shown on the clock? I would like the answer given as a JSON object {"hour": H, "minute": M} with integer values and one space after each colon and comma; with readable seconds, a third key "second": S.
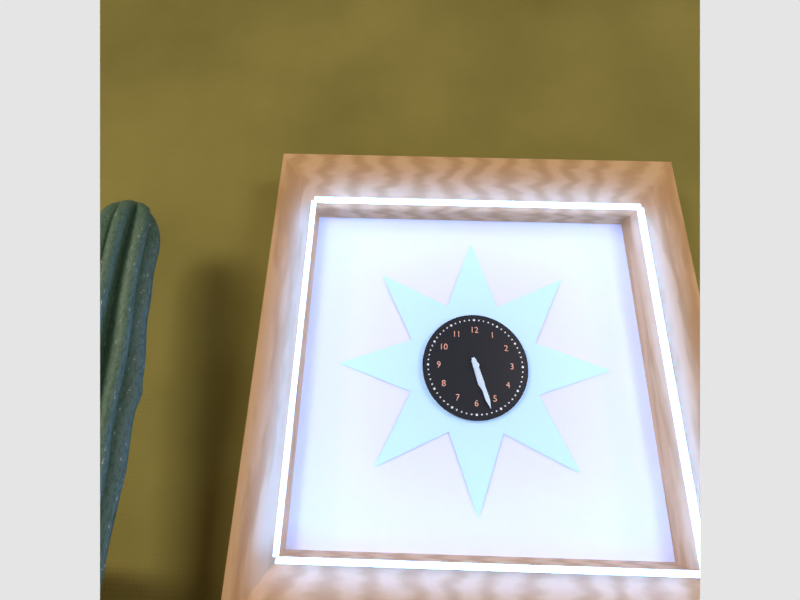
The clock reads {"hour": 5, "minute": 27}
